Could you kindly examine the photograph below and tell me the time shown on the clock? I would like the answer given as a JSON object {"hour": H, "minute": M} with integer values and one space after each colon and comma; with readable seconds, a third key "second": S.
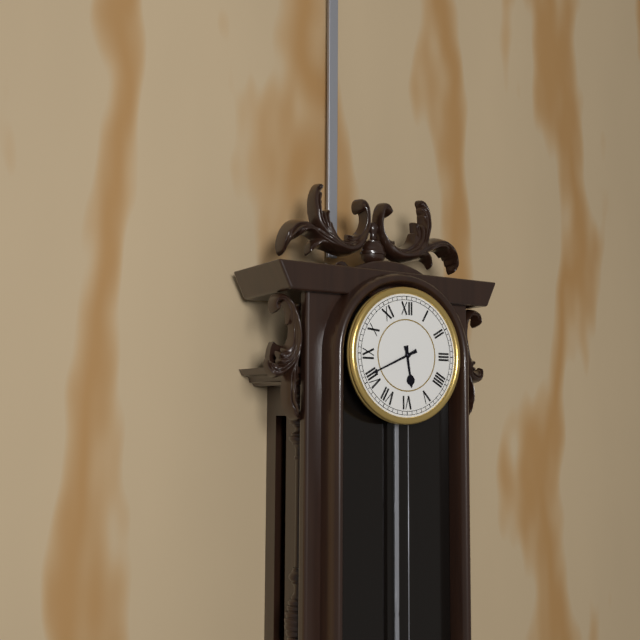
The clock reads {"hour": 5, "minute": 41}
